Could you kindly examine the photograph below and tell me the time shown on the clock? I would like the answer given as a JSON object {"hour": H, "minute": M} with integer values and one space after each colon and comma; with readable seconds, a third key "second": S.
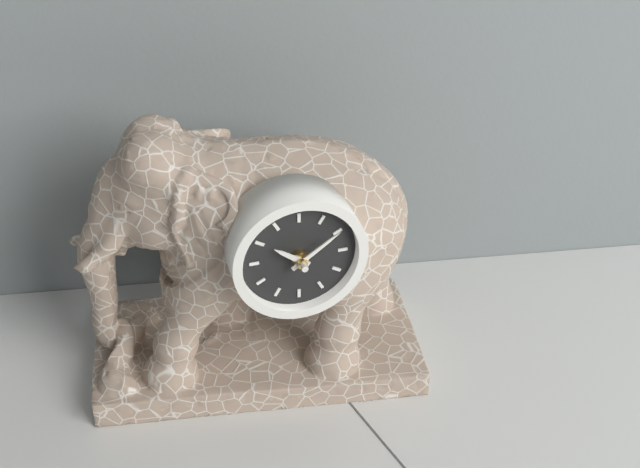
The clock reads {"hour": 10, "minute": 9}
